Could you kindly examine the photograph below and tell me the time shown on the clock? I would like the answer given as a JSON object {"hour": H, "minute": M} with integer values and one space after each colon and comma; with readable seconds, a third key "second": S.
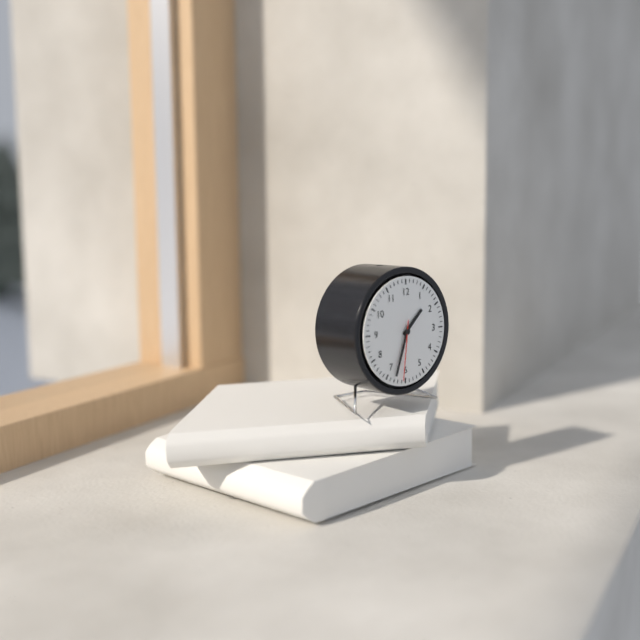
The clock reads {"hour": 1, "minute": 33, "second": 31}
